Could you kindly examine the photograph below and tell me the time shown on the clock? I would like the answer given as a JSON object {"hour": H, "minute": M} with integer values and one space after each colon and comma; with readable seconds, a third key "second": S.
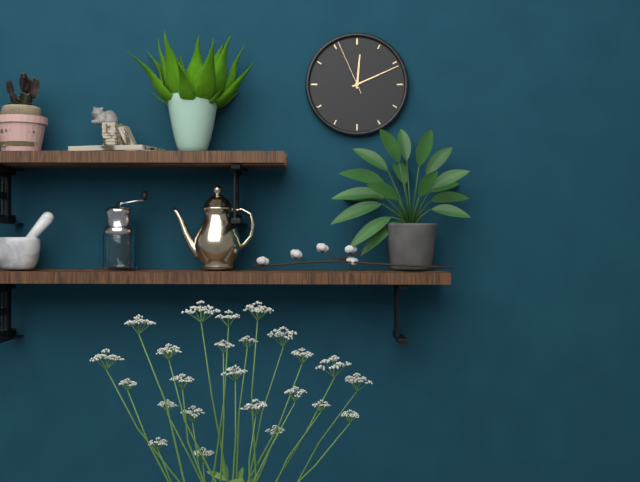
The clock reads {"hour": 12, "minute": 11, "second": 56}
